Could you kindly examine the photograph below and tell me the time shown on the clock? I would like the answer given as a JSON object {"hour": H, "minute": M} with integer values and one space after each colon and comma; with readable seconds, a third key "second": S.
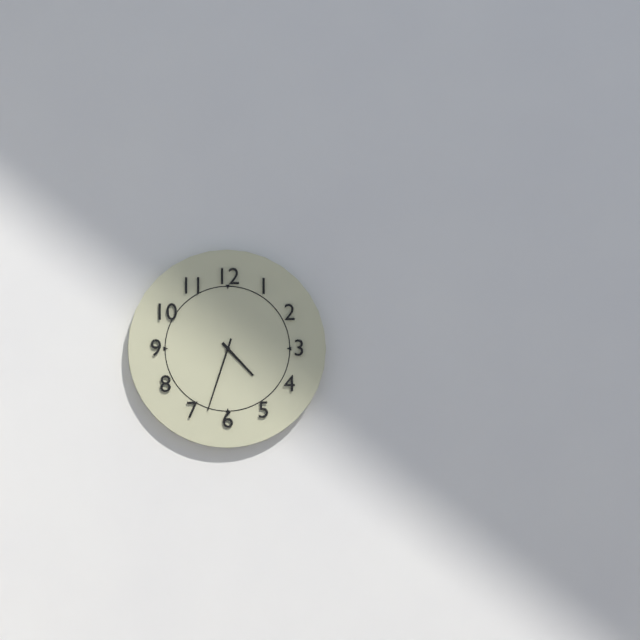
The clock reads {"hour": 4, "minute": 33}
